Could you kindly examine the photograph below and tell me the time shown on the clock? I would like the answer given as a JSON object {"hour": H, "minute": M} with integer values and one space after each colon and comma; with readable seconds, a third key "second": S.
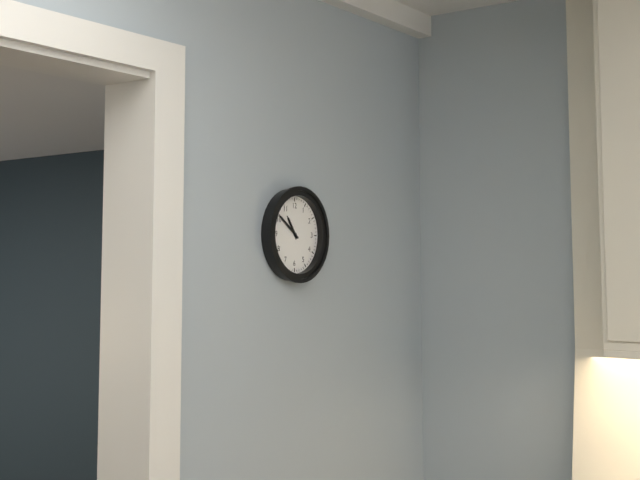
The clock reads {"hour": 10, "minute": 51}
